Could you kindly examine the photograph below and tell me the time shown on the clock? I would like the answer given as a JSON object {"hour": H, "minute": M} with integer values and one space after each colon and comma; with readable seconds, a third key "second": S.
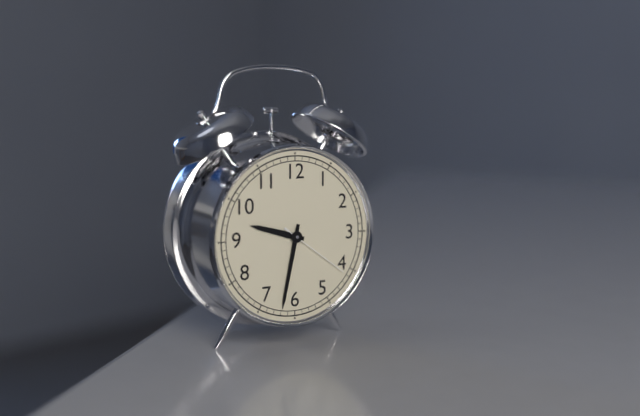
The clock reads {"hour": 9, "minute": 32, "second": 21}
